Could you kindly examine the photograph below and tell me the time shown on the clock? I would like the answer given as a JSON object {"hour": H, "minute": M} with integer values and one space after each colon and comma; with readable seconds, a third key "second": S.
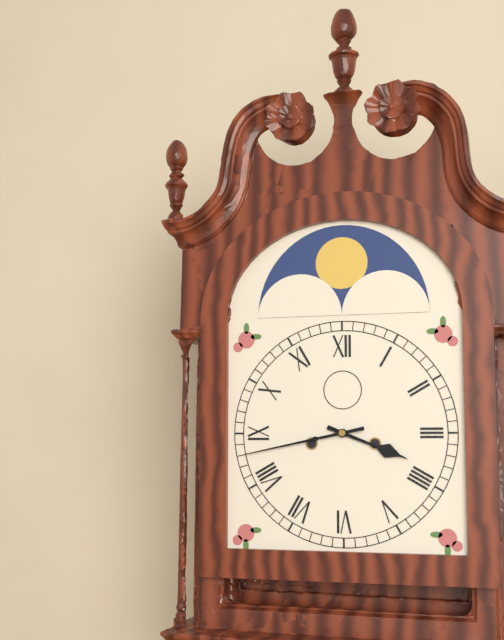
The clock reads {"hour": 3, "minute": 43}
